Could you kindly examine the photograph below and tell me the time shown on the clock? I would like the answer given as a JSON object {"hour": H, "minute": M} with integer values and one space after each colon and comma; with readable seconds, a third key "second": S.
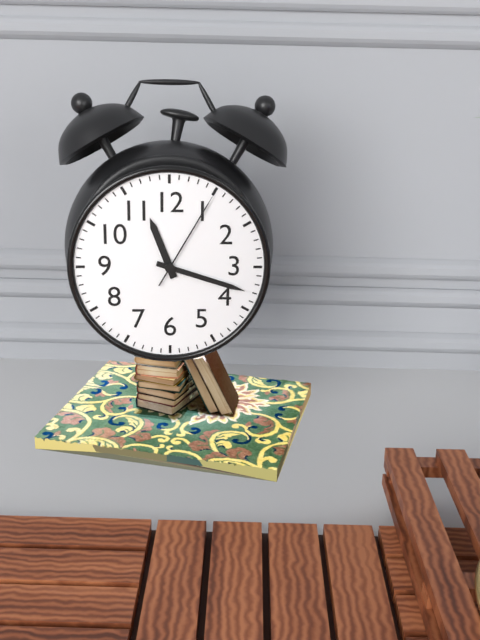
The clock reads {"hour": 11, "minute": 18, "second": 5}
